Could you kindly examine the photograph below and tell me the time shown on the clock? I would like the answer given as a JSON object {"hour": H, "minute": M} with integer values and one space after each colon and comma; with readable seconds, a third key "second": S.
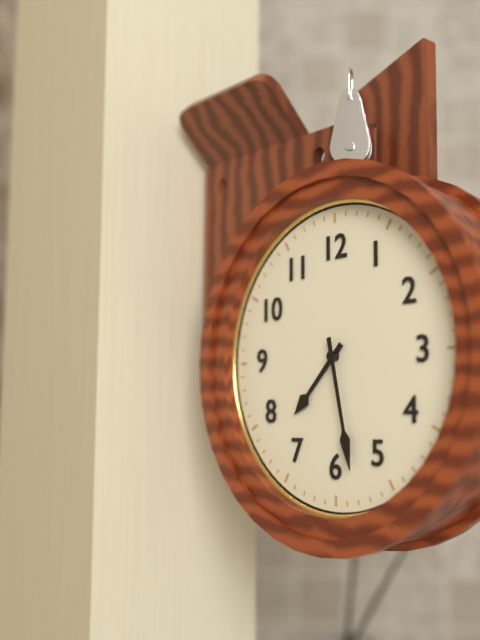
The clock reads {"hour": 7, "minute": 28}
